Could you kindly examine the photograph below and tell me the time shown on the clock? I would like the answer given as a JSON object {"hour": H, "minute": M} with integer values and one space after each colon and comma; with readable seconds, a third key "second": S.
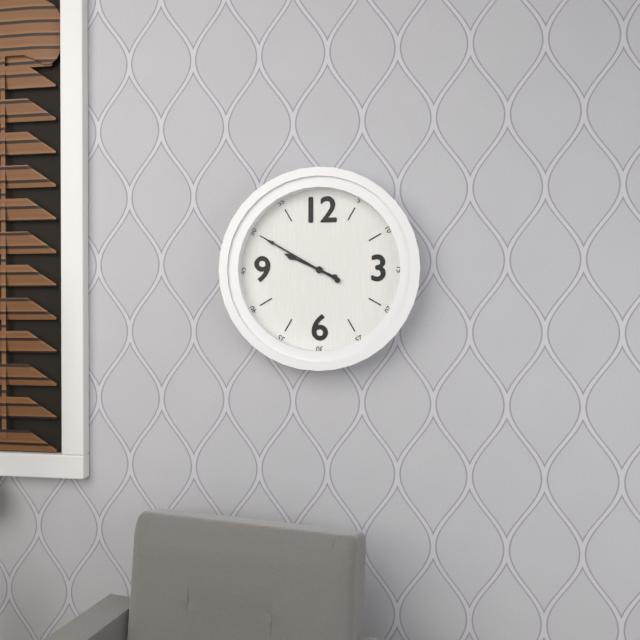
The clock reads {"hour": 9, "minute": 50}
